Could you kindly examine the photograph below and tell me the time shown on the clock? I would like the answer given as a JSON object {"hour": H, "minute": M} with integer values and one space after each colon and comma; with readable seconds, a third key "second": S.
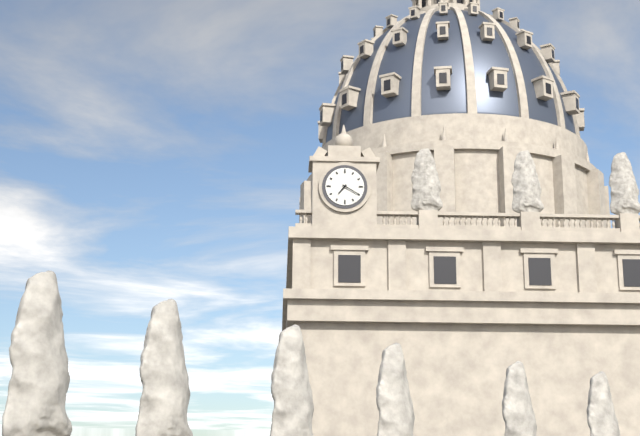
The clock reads {"hour": 7, "minute": 20}
